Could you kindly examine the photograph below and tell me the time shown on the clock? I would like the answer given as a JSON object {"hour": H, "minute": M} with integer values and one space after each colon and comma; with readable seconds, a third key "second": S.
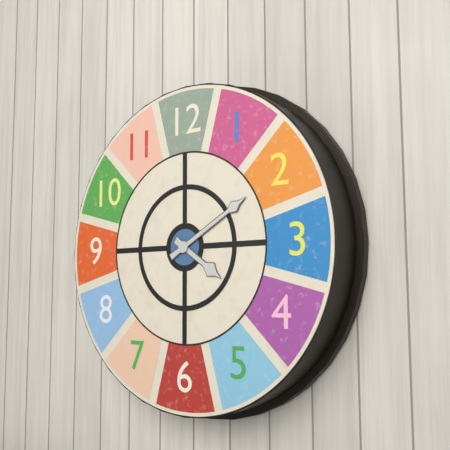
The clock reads {"hour": 4, "minute": 10}
